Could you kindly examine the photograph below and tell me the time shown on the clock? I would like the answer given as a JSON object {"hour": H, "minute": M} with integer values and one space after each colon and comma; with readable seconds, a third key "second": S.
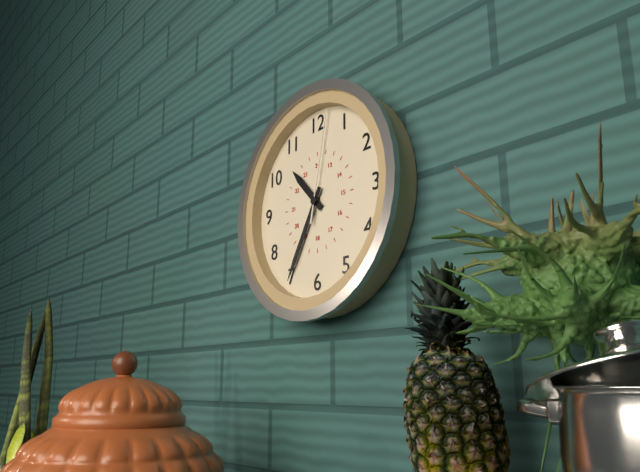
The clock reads {"hour": 10, "minute": 35, "second": 2}
